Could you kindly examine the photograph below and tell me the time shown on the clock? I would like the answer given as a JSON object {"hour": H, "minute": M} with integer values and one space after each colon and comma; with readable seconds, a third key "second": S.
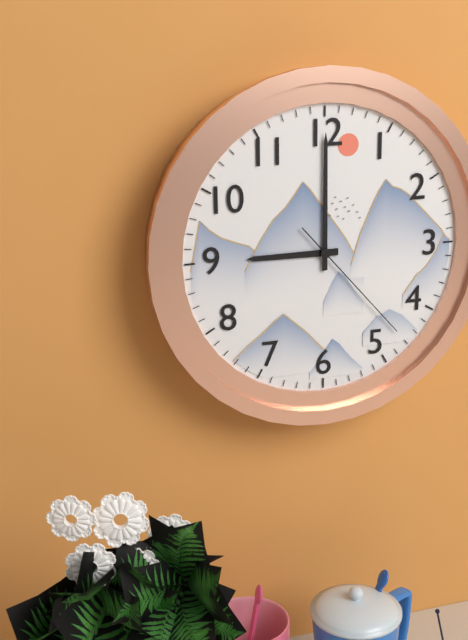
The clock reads {"hour": 9, "minute": 0, "second": 23}
